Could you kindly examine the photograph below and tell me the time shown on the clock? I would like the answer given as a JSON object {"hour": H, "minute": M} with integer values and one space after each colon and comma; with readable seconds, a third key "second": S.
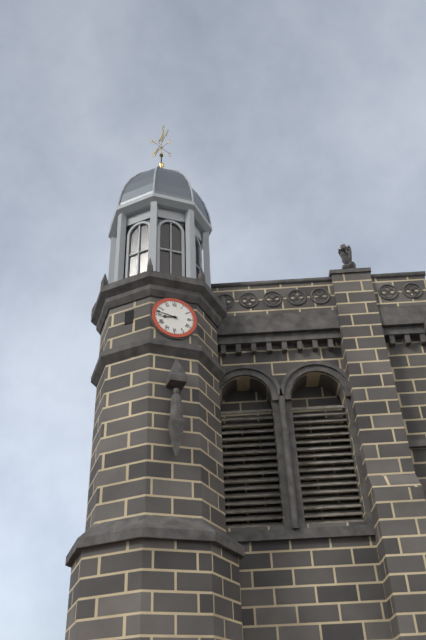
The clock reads {"hour": 8, "minute": 47}
